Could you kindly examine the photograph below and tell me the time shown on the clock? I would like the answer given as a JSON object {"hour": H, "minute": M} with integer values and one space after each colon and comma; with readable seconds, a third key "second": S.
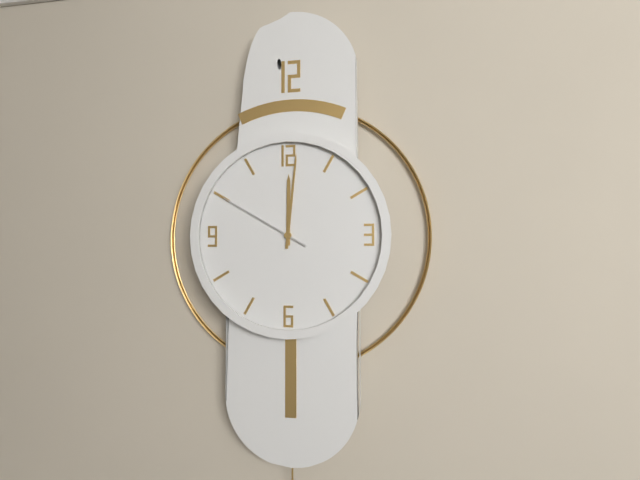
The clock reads {"hour": 12, "minute": 1, "second": 50}
